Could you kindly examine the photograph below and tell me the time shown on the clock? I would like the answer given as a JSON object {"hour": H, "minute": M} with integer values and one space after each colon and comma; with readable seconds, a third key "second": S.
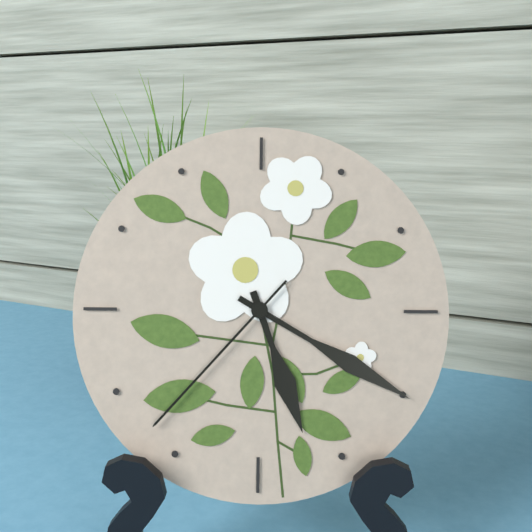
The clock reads {"hour": 5, "minute": 20, "second": 37}
